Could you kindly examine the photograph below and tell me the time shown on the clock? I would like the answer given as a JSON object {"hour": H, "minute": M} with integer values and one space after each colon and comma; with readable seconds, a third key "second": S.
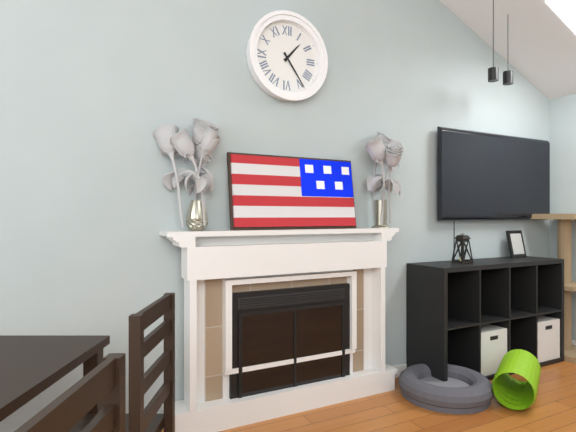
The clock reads {"hour": 1, "minute": 24}
